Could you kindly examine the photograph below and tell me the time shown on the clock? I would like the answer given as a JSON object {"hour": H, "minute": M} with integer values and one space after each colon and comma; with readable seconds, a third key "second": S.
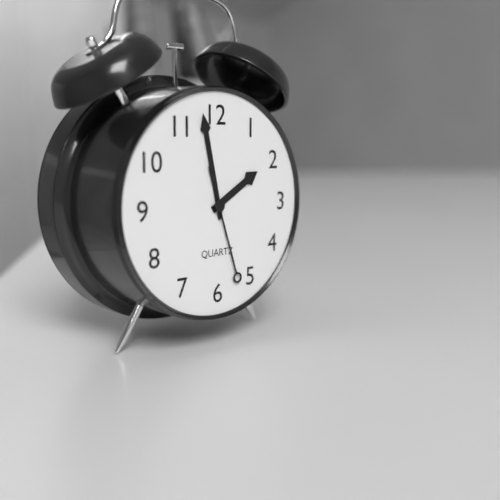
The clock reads {"hour": 1, "minute": 58, "second": 27}
